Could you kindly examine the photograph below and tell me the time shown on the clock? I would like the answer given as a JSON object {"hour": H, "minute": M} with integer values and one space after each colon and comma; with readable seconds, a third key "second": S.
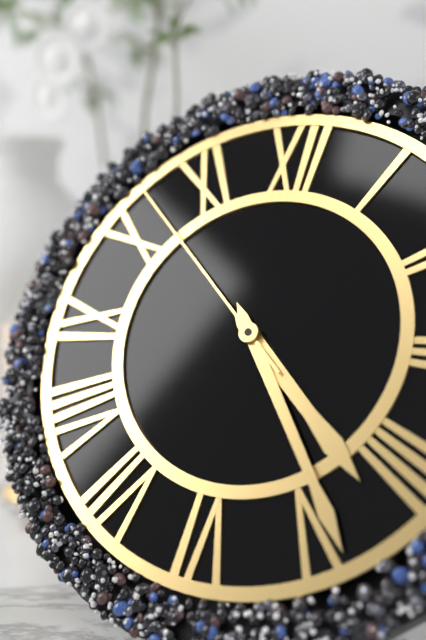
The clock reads {"hour": 4, "minute": 24, "second": 52}
